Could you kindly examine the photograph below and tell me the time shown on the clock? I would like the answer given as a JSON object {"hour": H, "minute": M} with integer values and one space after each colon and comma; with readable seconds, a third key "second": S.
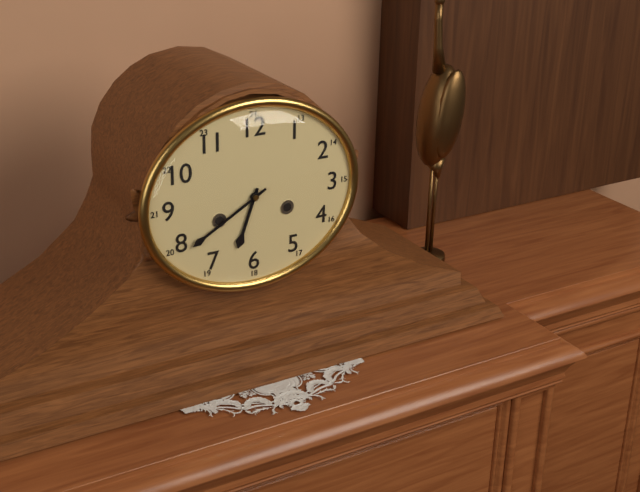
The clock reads {"hour": 6, "minute": 40}
